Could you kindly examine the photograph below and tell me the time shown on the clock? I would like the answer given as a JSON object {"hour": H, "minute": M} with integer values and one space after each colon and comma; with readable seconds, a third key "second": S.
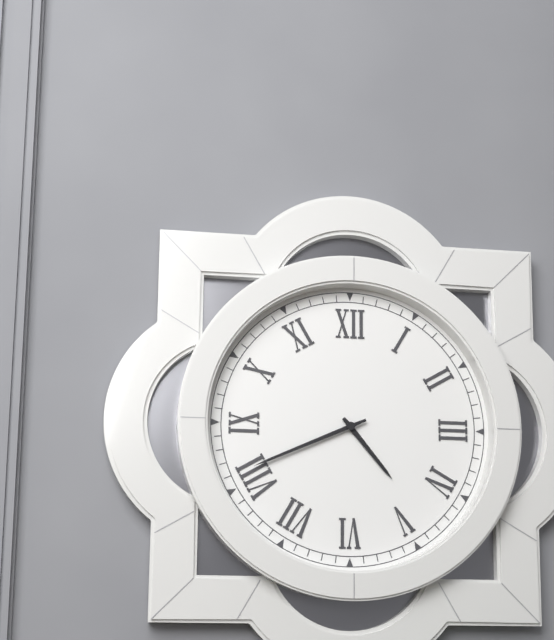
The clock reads {"hour": 4, "minute": 41}
